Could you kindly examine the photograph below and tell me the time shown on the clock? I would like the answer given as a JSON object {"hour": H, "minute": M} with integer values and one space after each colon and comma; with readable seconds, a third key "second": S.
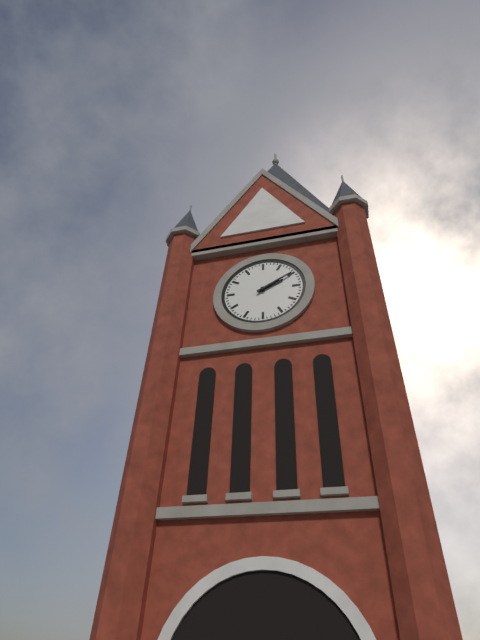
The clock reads {"hour": 2, "minute": 10}
